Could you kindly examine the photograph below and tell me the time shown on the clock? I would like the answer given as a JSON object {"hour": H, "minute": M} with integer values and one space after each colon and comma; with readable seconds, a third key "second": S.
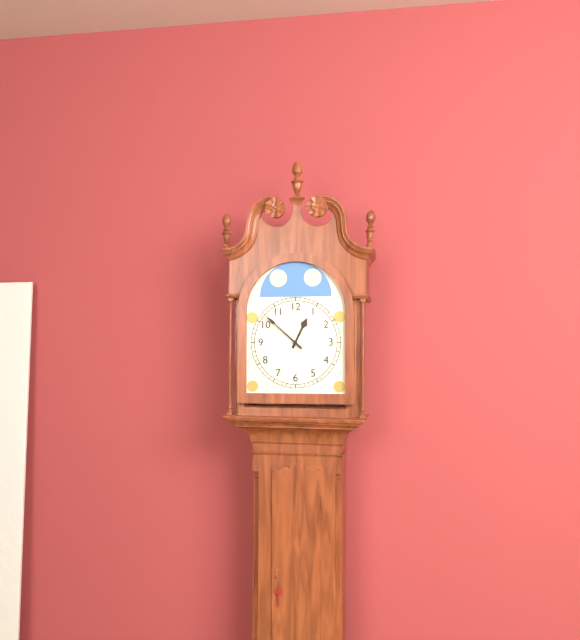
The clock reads {"hour": 12, "minute": 52}
